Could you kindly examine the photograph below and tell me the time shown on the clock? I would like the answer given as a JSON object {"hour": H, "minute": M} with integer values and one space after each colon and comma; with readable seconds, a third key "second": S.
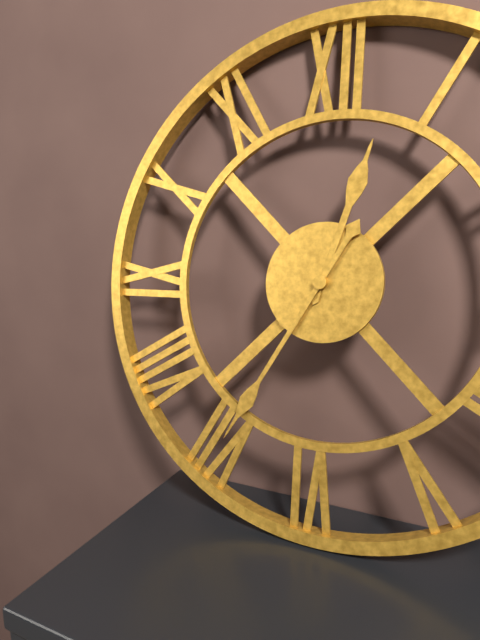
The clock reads {"hour": 12, "minute": 35}
